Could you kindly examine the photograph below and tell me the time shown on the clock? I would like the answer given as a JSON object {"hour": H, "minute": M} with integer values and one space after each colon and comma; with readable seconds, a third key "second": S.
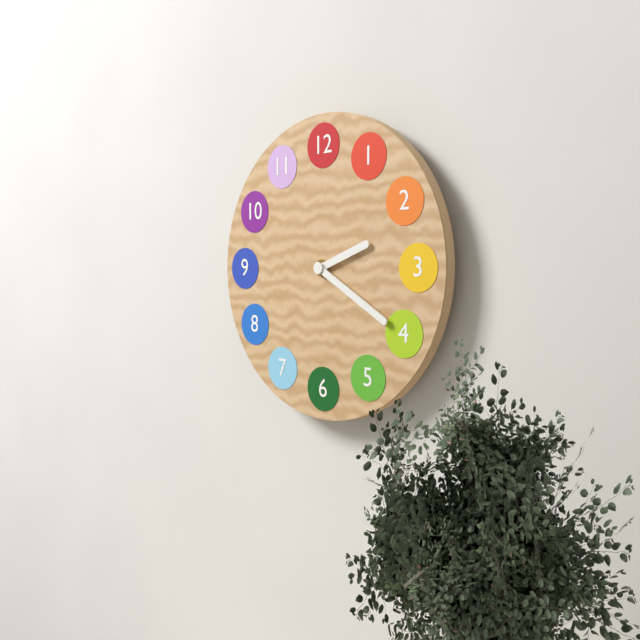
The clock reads {"hour": 2, "minute": 20}
